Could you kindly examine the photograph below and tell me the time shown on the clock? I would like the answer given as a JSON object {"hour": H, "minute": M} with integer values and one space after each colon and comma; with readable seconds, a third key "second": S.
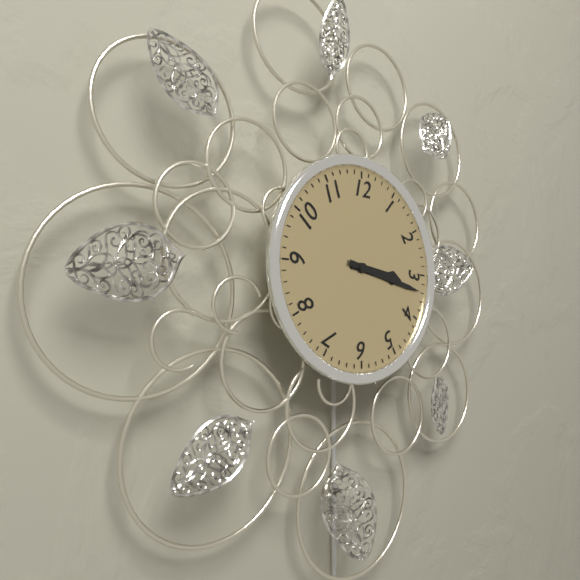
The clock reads {"hour": 3, "minute": 17}
